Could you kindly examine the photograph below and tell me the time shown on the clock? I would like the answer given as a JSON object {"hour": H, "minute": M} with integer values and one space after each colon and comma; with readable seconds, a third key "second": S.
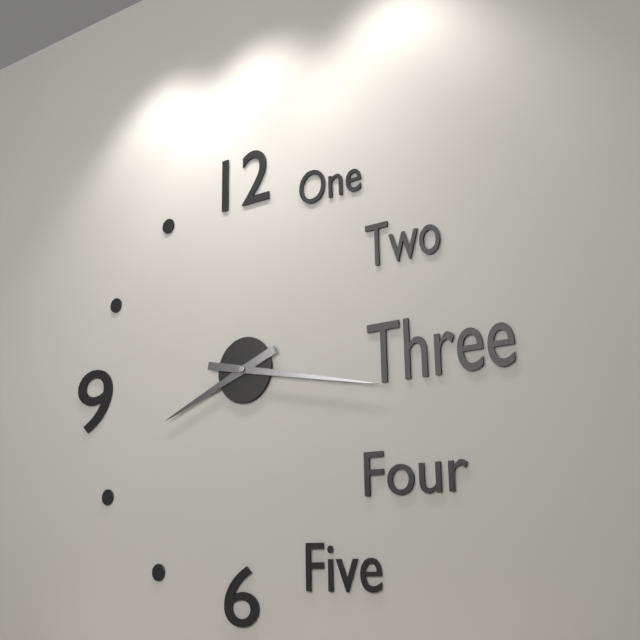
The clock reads {"hour": 8, "minute": 17}
